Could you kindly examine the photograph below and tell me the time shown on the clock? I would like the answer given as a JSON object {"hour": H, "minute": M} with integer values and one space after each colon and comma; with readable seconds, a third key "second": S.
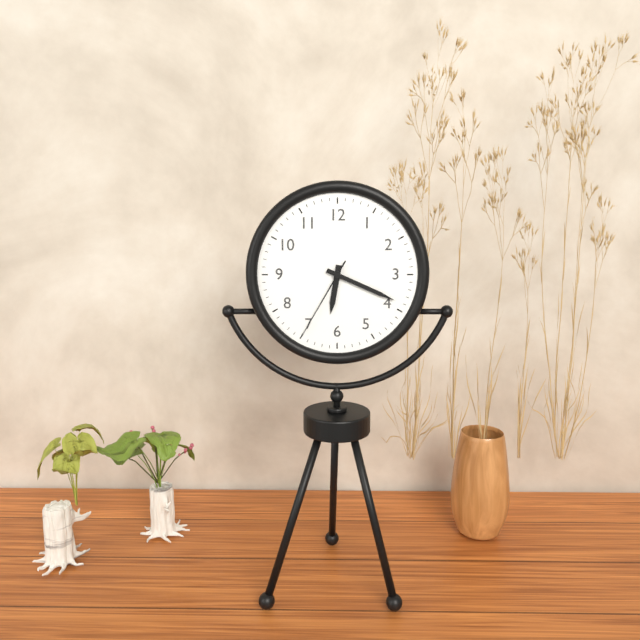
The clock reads {"hour": 6, "minute": 19, "second": 35}
